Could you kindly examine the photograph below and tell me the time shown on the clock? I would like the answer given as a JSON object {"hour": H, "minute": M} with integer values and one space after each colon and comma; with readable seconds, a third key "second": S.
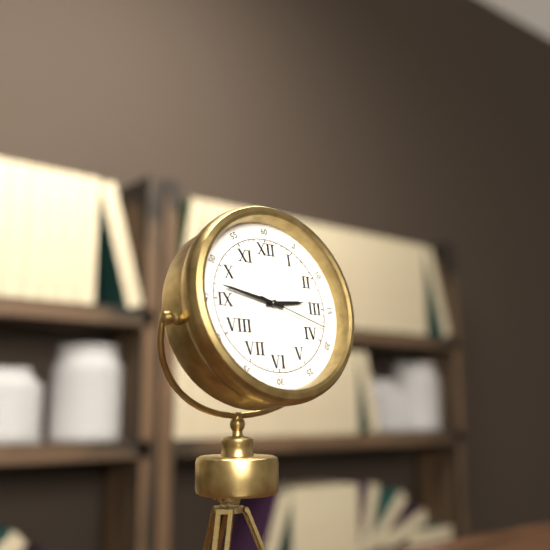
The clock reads {"hour": 2, "minute": 47, "second": 18}
